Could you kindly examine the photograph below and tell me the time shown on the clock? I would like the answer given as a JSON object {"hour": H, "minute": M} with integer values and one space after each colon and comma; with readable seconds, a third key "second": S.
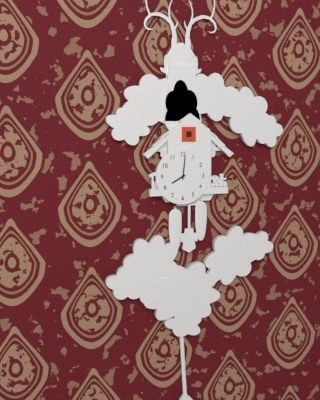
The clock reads {"hour": 8, "minute": 1}
